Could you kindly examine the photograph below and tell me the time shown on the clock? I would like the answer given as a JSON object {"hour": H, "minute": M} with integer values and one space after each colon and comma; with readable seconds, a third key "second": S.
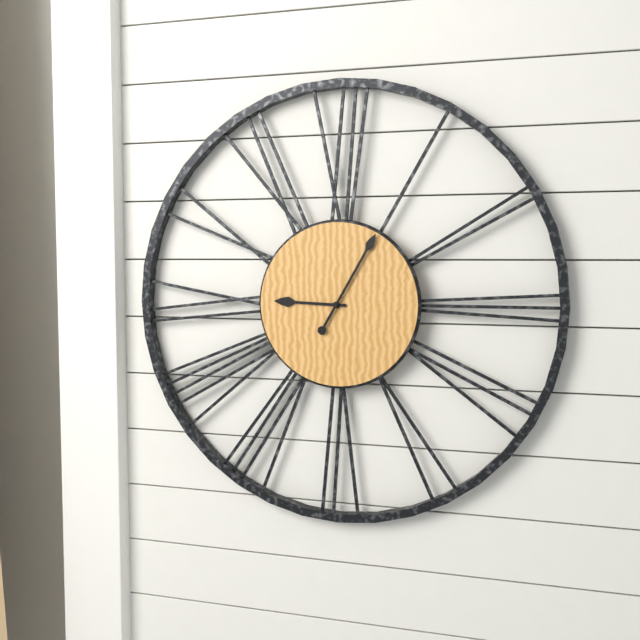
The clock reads {"hour": 9, "minute": 5}
